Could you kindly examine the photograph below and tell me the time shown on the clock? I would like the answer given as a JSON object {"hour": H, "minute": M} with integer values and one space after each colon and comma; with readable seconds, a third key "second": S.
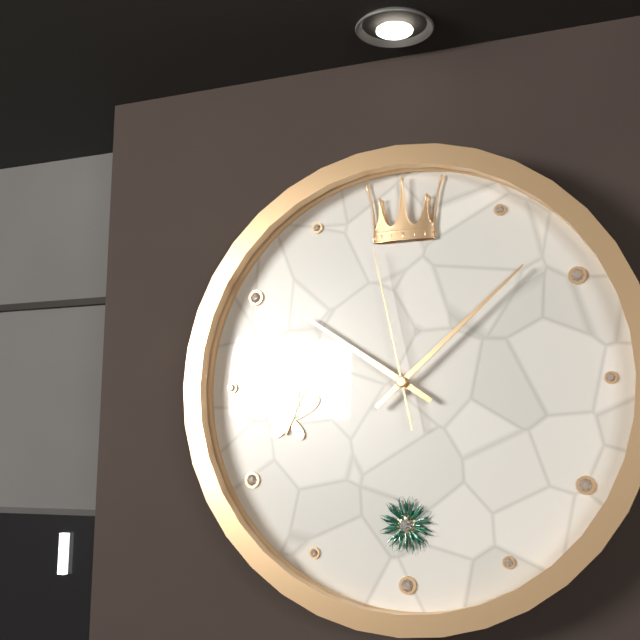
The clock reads {"hour": 10, "minute": 8, "second": 58}
